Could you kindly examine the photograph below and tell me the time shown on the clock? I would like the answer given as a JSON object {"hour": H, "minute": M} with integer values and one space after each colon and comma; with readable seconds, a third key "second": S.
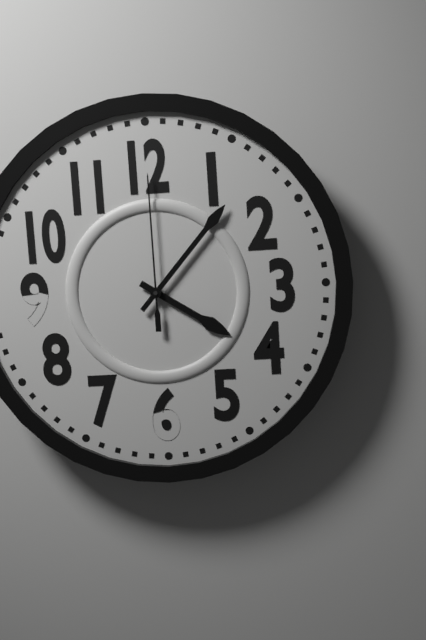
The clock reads {"hour": 4, "minute": 7, "second": 0}
